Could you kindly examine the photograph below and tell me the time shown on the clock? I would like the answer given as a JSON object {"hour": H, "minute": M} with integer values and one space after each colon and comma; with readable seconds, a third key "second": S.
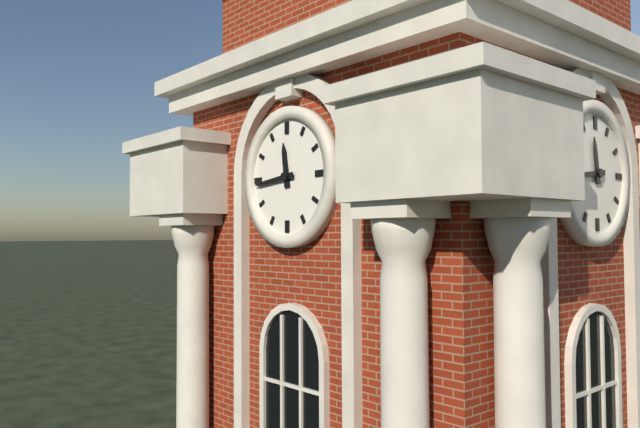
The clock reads {"hour": 11, "minute": 44}
